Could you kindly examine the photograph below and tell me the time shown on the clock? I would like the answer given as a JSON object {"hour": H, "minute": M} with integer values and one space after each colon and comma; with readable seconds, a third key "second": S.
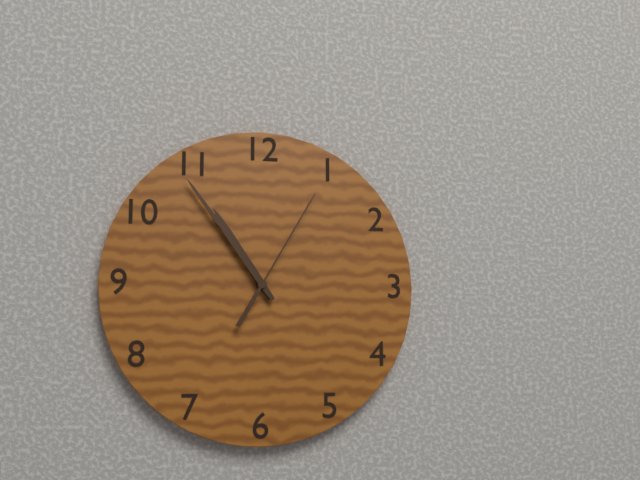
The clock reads {"hour": 10, "minute": 54, "second": 5}
